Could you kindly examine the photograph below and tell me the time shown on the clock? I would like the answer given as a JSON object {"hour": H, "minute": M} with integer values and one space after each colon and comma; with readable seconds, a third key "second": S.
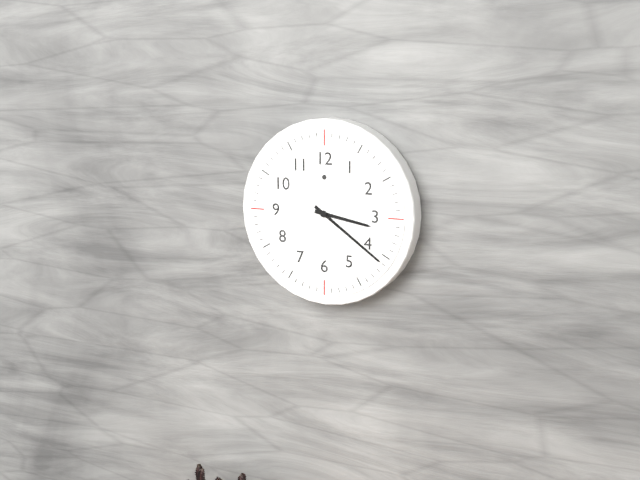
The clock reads {"hour": 3, "minute": 21}
